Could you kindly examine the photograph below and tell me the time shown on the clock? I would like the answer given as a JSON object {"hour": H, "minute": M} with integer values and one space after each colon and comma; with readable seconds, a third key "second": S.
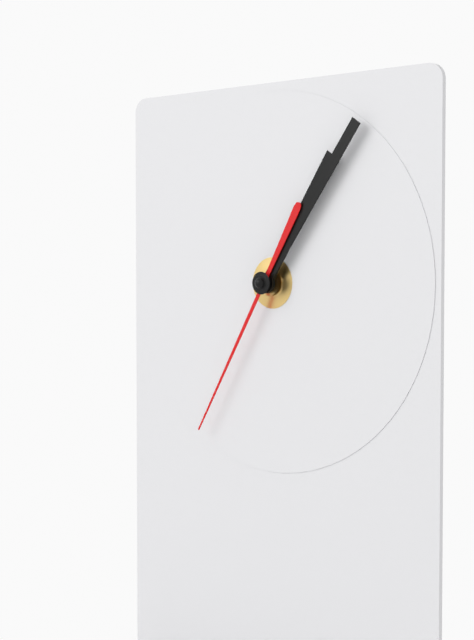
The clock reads {"hour": 1, "minute": 6, "second": 35}
